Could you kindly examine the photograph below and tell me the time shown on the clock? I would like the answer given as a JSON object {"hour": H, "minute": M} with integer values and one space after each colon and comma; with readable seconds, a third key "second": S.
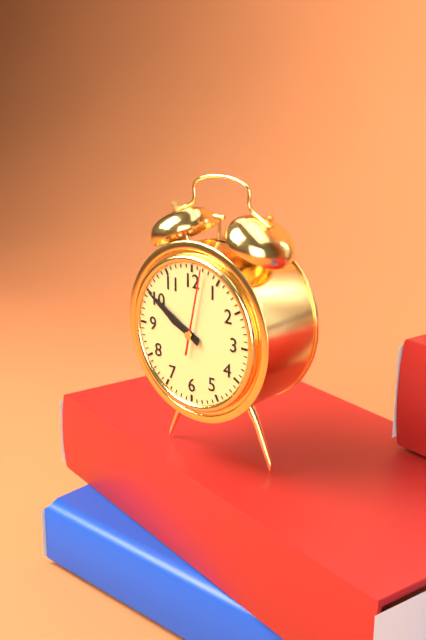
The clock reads {"hour": 9, "minute": 50, "second": 2}
